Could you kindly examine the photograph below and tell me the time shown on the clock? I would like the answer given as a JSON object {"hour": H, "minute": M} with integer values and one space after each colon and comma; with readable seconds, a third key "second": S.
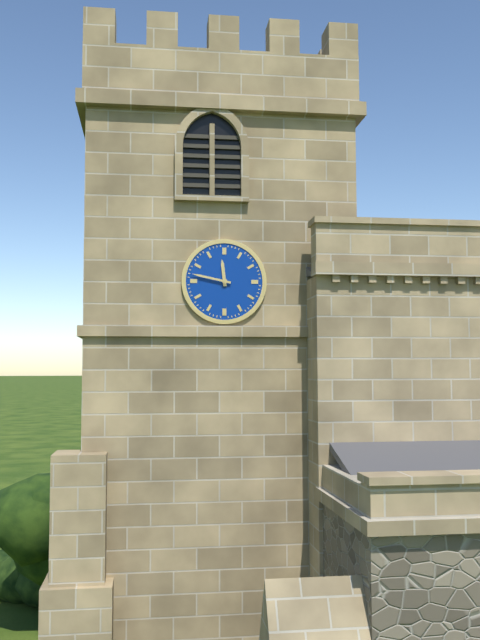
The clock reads {"hour": 11, "minute": 47}
